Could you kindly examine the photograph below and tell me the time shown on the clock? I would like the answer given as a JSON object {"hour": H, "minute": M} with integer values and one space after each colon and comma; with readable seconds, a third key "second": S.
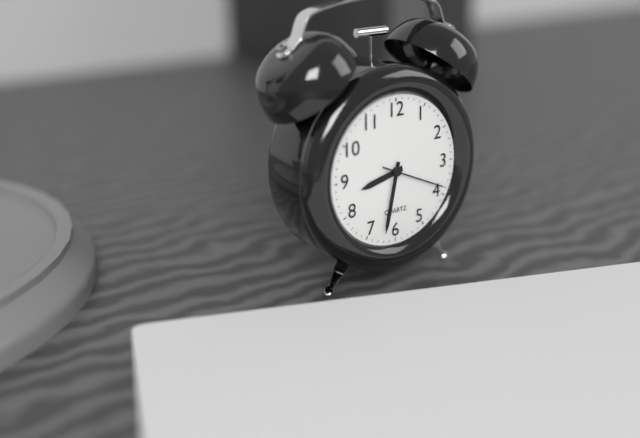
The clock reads {"hour": 8, "minute": 32, "second": 19}
